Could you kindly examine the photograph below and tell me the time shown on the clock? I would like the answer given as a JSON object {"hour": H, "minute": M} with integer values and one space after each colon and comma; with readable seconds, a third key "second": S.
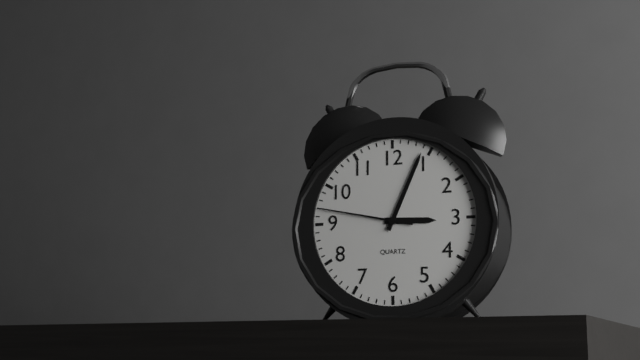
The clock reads {"hour": 3, "minute": 4, "second": 47}
